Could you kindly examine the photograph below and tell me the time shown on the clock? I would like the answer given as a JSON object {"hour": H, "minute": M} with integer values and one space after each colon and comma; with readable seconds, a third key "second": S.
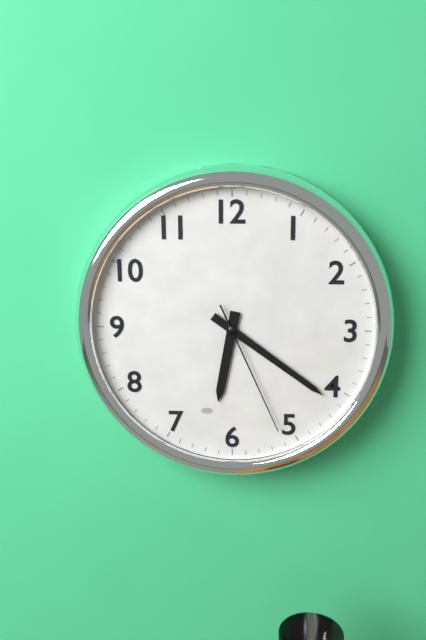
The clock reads {"hour": 6, "minute": 21, "second": 26}
